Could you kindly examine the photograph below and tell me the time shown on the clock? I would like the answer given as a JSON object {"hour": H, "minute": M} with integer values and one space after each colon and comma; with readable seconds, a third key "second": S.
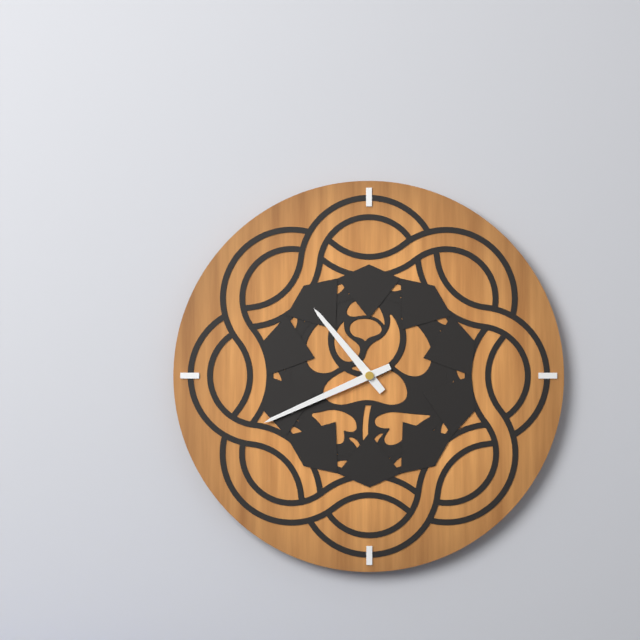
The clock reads {"hour": 10, "minute": 41}
